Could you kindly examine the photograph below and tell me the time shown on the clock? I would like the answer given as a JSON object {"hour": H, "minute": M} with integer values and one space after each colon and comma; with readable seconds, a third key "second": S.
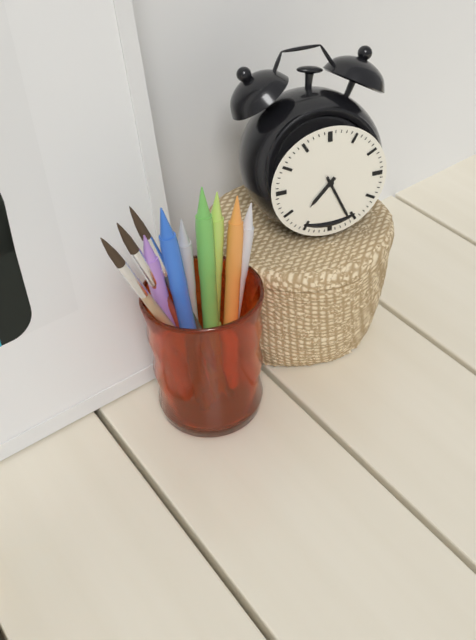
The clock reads {"hour": 7, "minute": 26}
